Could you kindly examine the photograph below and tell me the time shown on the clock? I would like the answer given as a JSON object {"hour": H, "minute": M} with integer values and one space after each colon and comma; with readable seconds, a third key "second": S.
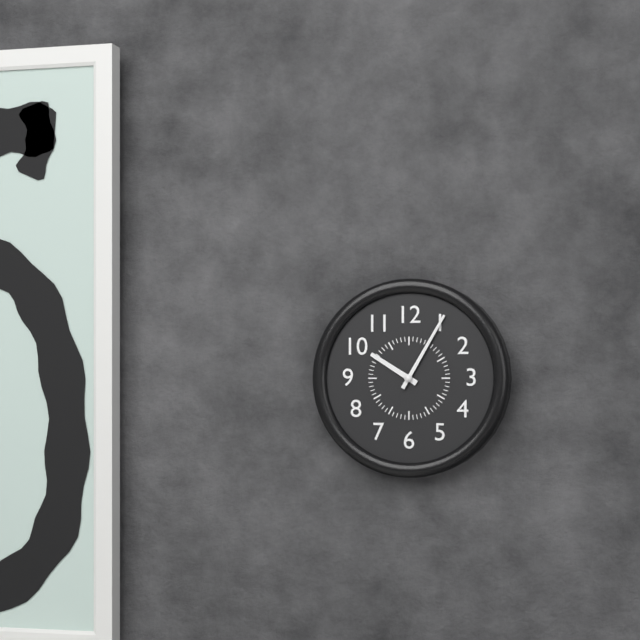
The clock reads {"hour": 10, "minute": 5}
